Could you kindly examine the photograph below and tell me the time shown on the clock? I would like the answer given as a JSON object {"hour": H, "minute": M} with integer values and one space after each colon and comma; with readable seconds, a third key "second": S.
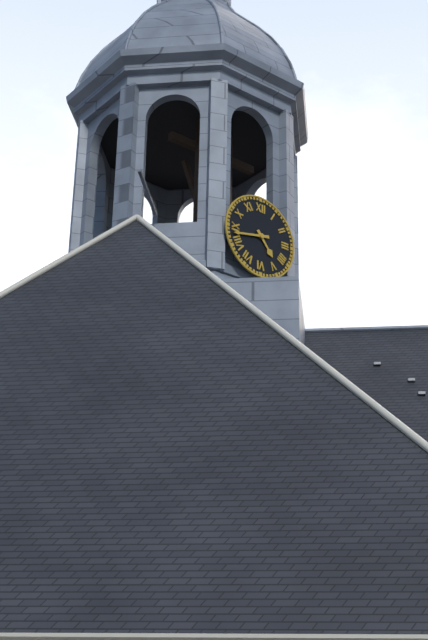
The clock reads {"hour": 4, "minute": 43}
